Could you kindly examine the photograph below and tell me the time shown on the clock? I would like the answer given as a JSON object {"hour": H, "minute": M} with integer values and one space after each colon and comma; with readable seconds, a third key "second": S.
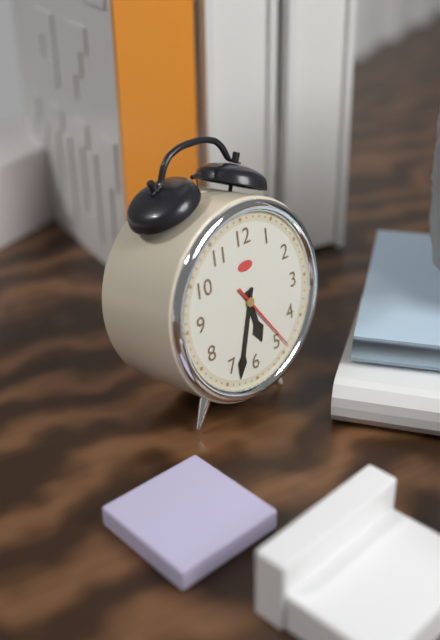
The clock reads {"hour": 5, "minute": 33, "second": 24}
